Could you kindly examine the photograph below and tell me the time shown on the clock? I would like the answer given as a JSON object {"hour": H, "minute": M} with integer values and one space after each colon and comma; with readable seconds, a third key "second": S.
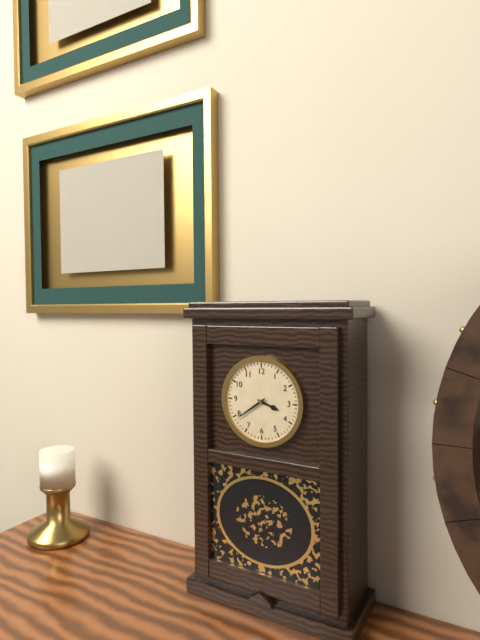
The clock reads {"hour": 3, "minute": 39}
